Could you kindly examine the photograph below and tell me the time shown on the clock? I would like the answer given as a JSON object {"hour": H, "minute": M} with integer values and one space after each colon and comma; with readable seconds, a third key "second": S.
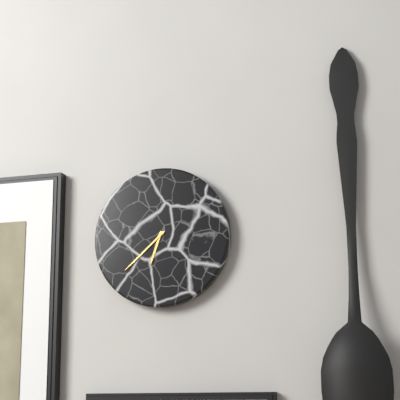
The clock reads {"hour": 6, "minute": 38}
